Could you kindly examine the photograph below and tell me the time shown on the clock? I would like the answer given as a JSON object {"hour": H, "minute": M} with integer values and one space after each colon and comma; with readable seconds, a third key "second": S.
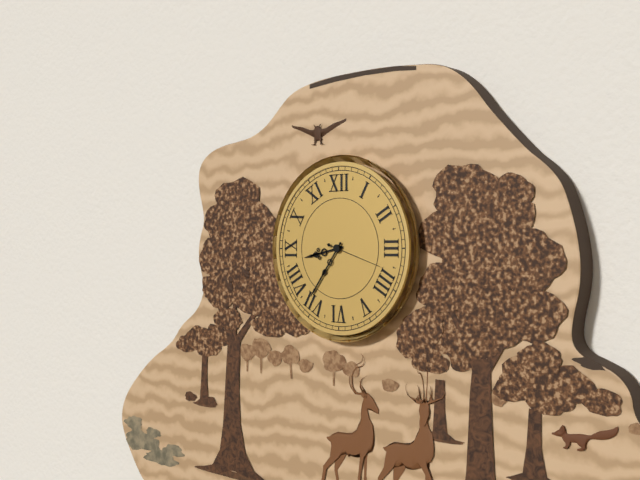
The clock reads {"hour": 8, "minute": 36, "second": 18}
